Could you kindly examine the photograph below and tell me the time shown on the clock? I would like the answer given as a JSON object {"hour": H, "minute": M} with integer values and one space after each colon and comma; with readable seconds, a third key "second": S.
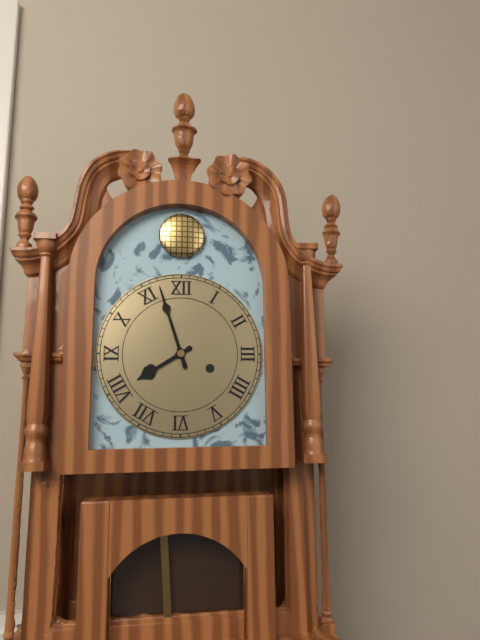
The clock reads {"hour": 7, "minute": 57}
